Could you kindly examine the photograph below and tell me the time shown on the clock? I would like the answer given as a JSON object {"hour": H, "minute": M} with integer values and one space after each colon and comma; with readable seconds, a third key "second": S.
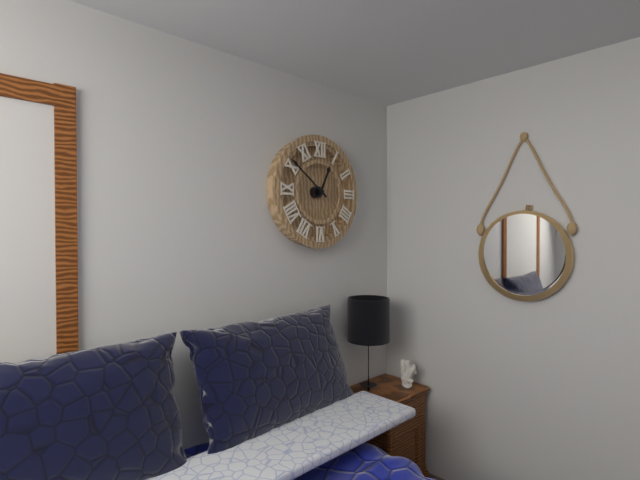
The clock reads {"hour": 12, "minute": 51}
